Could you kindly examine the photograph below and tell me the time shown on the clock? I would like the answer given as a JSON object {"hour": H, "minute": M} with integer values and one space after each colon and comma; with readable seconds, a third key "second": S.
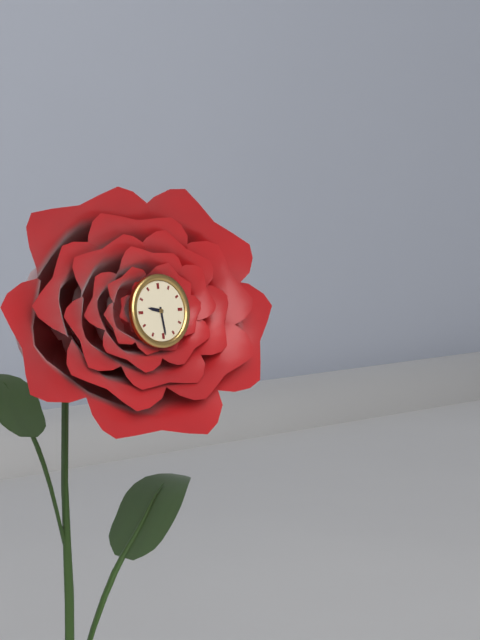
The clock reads {"hour": 9, "minute": 29}
